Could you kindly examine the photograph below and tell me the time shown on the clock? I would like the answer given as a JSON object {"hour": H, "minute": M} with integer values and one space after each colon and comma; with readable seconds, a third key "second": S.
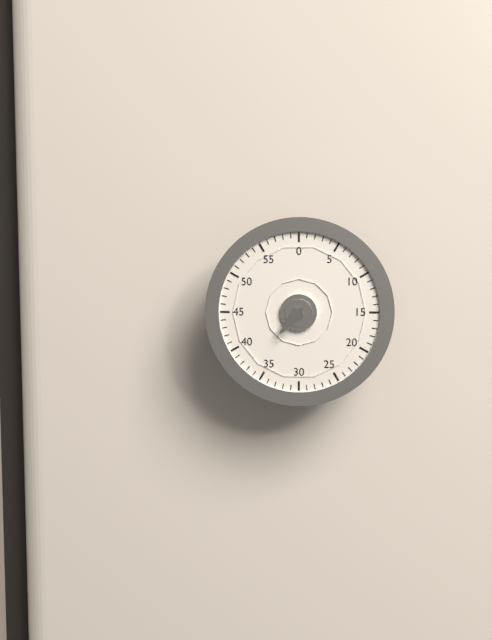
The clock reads {"hour": 7, "minute": 37}
